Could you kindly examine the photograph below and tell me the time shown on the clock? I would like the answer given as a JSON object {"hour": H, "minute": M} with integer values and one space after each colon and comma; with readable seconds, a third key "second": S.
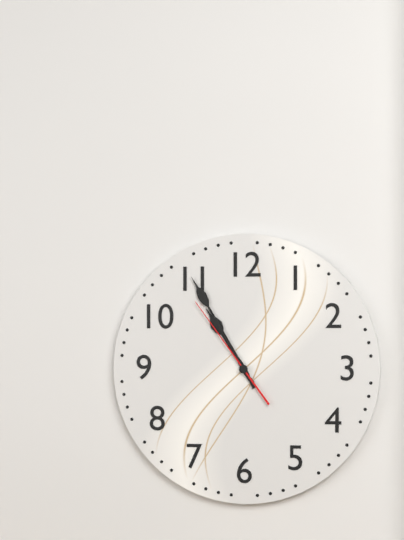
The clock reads {"hour": 10, "minute": 55, "second": 54}
